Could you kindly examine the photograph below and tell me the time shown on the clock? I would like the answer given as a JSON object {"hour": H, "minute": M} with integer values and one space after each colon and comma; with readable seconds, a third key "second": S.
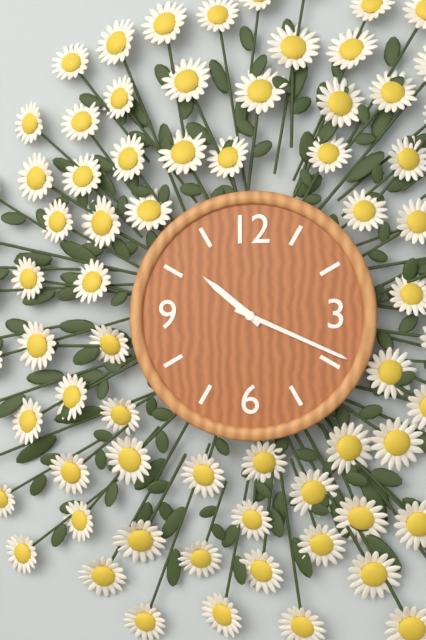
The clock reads {"hour": 10, "minute": 19}
